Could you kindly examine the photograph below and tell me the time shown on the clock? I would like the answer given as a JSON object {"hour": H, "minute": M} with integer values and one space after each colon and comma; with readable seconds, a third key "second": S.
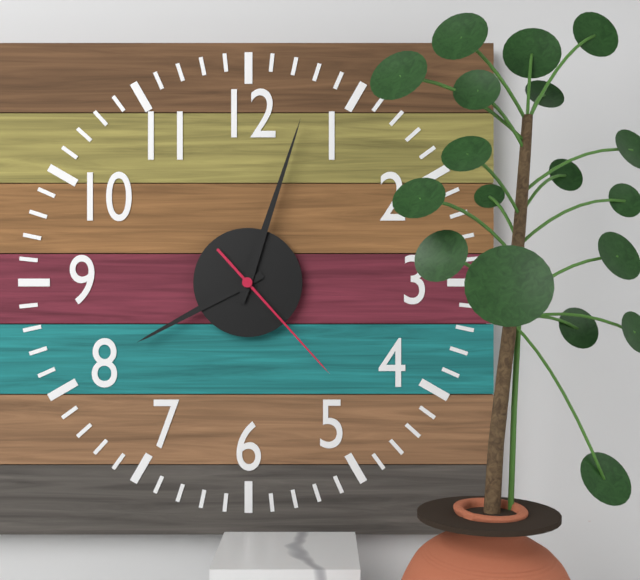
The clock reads {"hour": 8, "minute": 3, "second": 23}
